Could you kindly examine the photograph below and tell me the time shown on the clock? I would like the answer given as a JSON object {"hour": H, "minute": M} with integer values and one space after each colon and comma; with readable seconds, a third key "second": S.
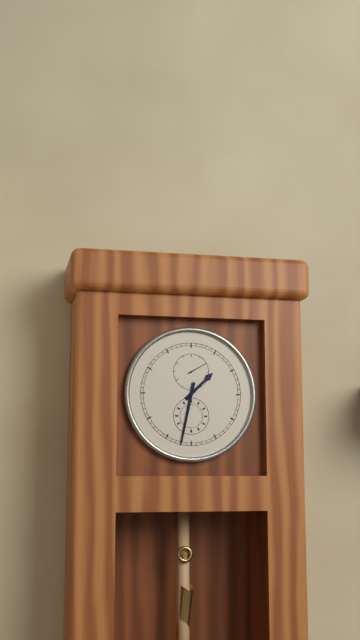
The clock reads {"hour": 1, "minute": 32}
